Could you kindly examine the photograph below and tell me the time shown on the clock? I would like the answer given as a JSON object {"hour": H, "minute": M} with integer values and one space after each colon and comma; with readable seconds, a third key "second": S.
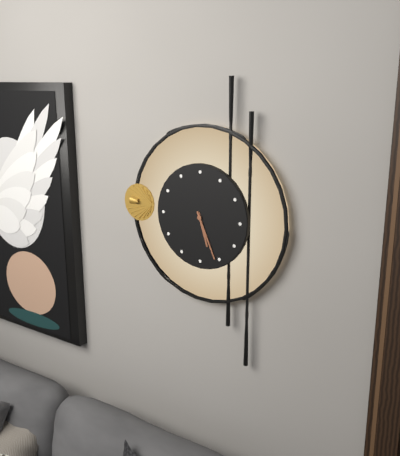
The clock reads {"hour": 5, "minute": 26}
